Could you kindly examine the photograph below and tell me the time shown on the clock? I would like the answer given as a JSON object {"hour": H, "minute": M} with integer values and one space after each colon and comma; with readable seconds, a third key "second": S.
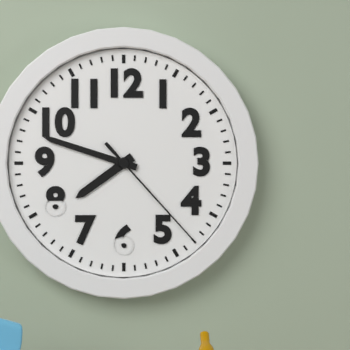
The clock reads {"hour": 7, "minute": 48, "second": 23}
